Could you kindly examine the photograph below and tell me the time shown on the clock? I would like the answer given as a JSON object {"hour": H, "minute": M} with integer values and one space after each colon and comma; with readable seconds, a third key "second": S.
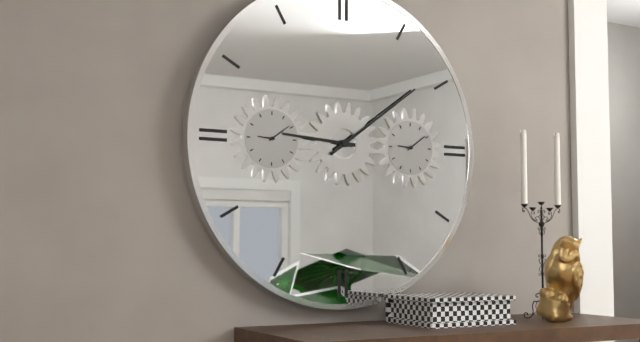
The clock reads {"hour": 9, "minute": 9}
